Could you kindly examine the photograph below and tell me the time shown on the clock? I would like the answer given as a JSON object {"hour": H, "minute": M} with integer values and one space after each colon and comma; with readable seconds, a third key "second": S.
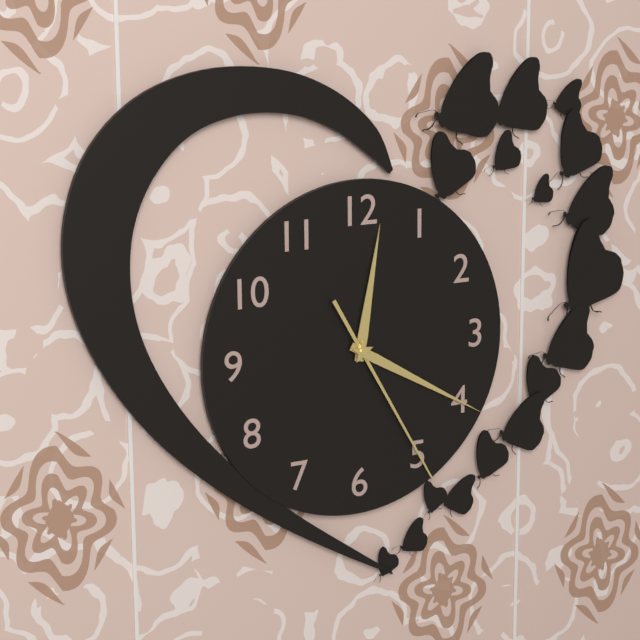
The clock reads {"hour": 12, "minute": 20, "second": 25}
